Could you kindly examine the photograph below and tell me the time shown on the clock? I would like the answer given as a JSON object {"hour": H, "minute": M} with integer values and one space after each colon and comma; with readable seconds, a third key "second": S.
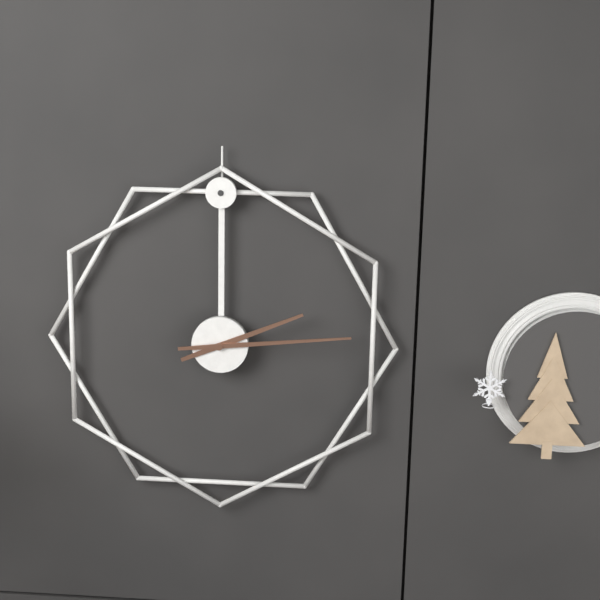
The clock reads {"hour": 2, "minute": 14}
